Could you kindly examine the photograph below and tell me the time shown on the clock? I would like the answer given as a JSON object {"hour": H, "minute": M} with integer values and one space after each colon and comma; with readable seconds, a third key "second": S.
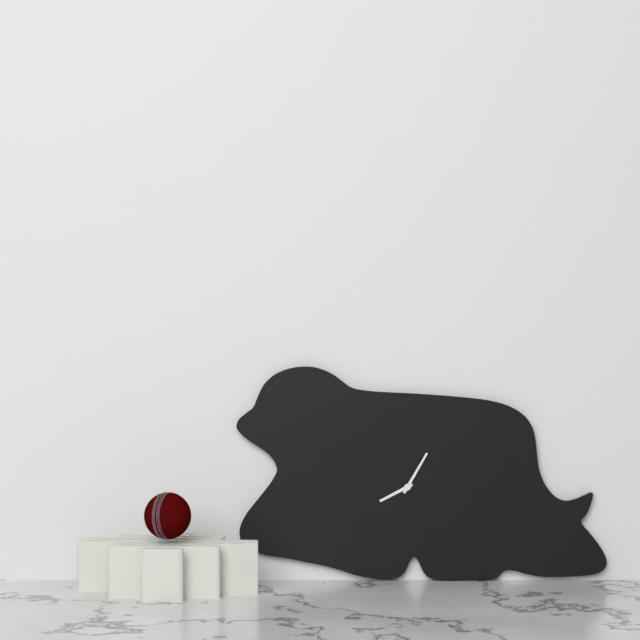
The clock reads {"hour": 8, "minute": 5}
